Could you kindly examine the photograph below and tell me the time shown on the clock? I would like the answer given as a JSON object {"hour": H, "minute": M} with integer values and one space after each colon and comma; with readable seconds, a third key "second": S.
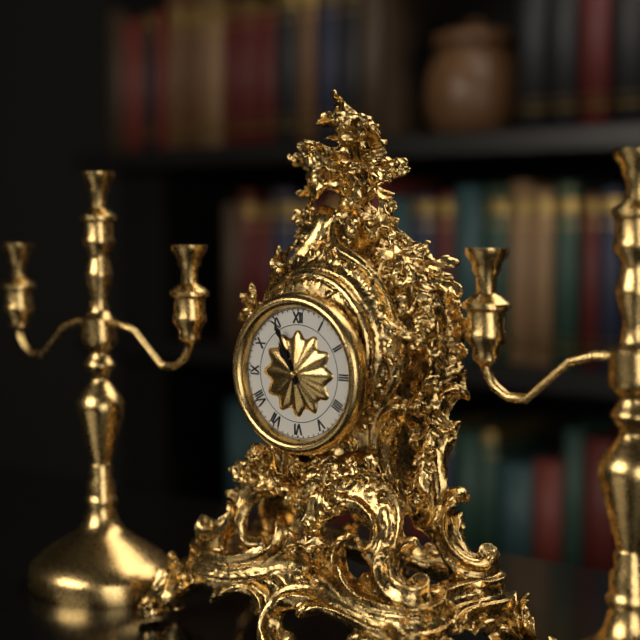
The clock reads {"hour": 10, "minute": 56}
